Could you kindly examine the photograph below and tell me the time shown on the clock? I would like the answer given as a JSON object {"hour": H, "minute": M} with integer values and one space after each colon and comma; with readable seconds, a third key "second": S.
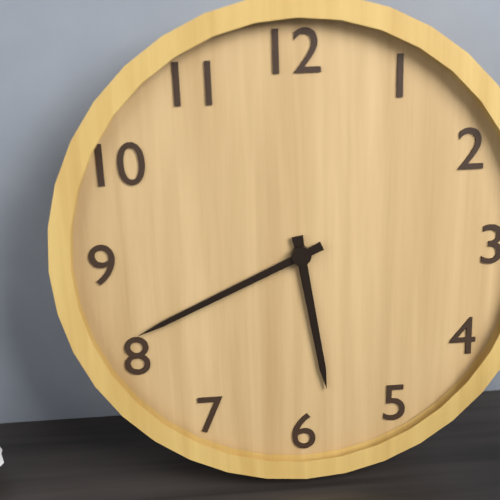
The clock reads {"hour": 5, "minute": 41}
